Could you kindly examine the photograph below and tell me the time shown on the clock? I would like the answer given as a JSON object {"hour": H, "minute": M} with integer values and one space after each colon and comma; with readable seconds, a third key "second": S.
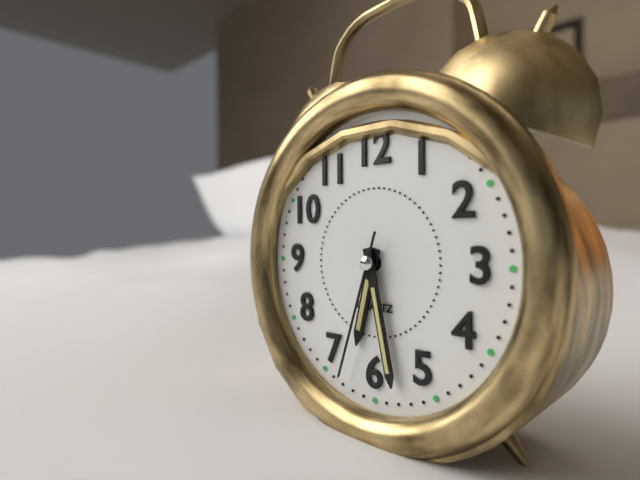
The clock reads {"hour": 6, "minute": 28, "second": 33}
